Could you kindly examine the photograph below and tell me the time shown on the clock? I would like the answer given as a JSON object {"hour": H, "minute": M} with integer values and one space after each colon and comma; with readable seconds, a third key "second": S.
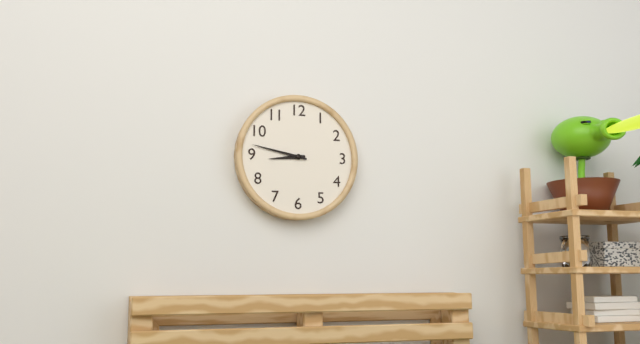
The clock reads {"hour": 8, "minute": 47}
